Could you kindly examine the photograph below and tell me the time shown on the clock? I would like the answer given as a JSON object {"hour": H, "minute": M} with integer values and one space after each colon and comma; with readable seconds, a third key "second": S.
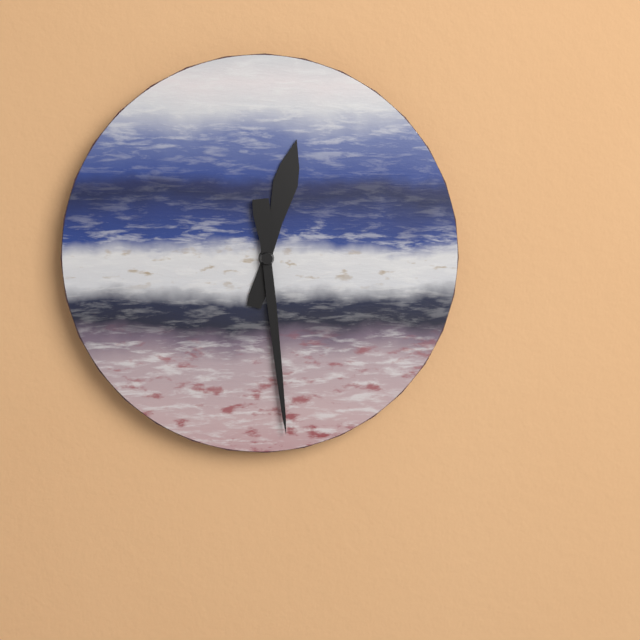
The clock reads {"hour": 12, "minute": 29}
